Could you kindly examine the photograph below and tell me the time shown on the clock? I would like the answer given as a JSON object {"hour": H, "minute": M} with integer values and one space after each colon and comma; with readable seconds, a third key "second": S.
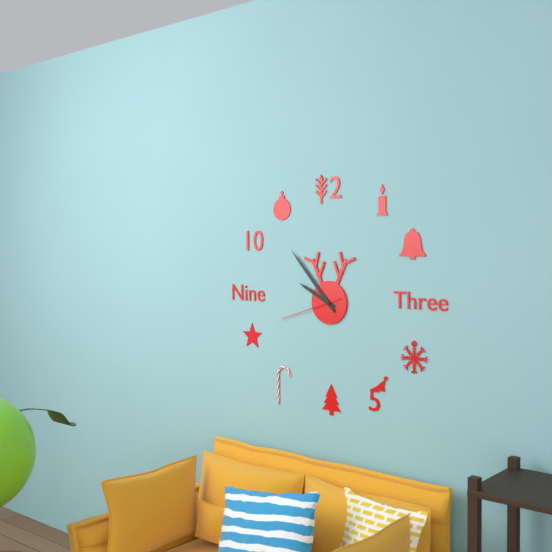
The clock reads {"hour": 9, "minute": 53, "second": 42}
